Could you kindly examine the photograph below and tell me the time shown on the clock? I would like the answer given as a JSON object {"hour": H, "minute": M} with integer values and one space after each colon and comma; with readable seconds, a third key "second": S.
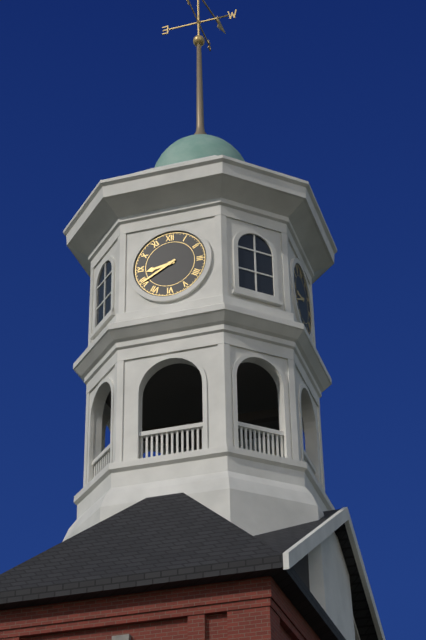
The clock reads {"hour": 8, "minute": 40}
